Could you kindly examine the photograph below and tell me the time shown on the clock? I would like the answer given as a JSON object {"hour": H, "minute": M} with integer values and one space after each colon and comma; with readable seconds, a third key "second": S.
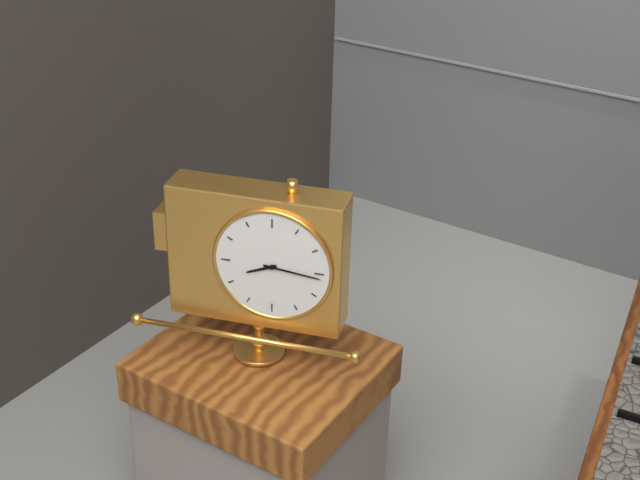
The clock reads {"hour": 8, "minute": 16}
